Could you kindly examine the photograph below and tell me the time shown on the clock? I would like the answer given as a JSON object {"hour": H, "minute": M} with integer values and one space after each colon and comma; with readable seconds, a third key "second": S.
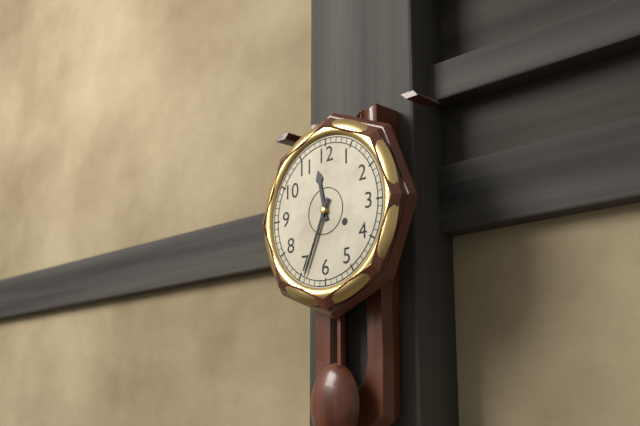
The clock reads {"hour": 11, "minute": 34}
